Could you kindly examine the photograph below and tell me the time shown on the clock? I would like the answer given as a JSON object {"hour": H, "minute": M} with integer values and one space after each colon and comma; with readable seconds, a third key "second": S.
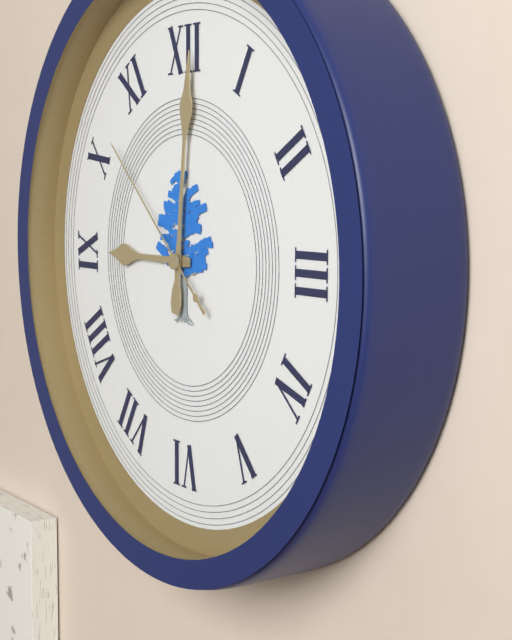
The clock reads {"hour": 9, "minute": 1, "second": 52}
